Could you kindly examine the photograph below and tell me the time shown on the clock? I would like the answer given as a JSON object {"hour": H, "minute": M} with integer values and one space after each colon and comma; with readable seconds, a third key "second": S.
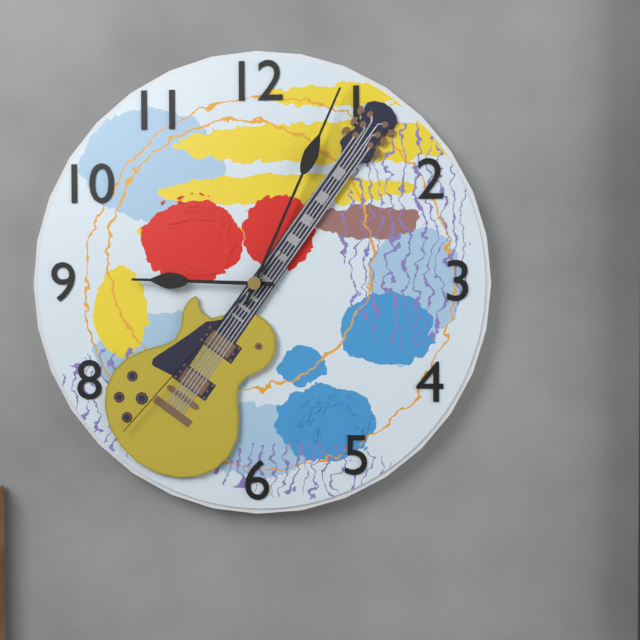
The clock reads {"hour": 9, "minute": 4, "second": 37}
